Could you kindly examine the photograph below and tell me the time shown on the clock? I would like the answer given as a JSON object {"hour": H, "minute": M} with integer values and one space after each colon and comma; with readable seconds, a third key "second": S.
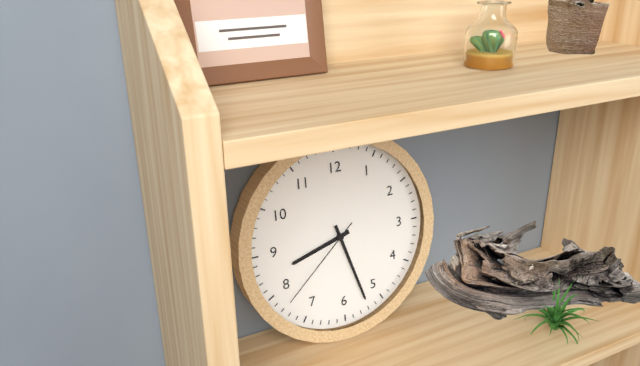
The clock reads {"hour": 8, "minute": 27, "second": 38}
